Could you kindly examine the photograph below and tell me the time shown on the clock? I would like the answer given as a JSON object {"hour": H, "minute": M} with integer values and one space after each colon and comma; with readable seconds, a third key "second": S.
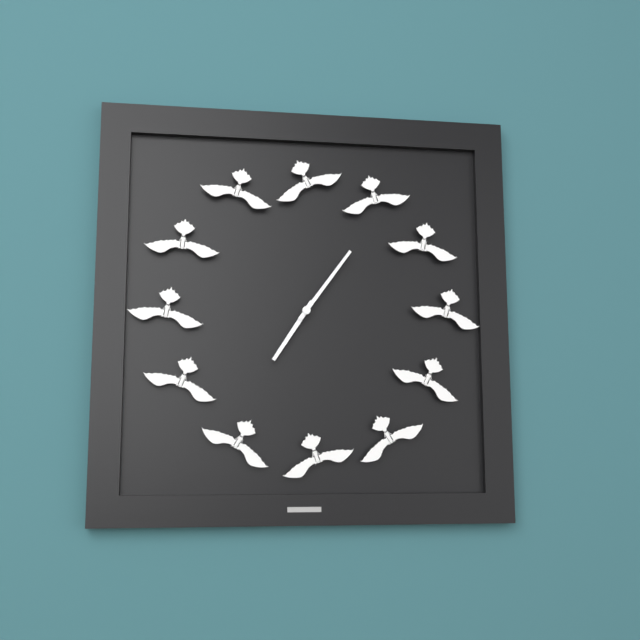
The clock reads {"hour": 7, "minute": 6}
